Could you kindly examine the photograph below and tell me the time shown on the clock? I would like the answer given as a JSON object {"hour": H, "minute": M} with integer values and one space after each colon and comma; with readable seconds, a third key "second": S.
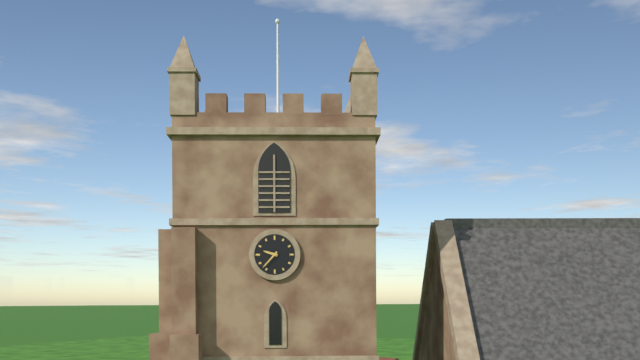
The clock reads {"hour": 9, "minute": 37}
